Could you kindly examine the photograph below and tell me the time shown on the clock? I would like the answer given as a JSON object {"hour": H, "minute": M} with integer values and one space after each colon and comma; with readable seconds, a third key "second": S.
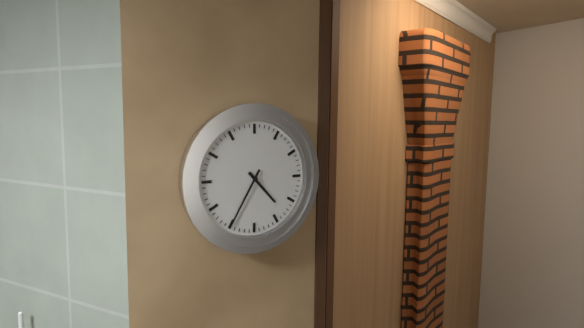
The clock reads {"hour": 4, "minute": 35}
